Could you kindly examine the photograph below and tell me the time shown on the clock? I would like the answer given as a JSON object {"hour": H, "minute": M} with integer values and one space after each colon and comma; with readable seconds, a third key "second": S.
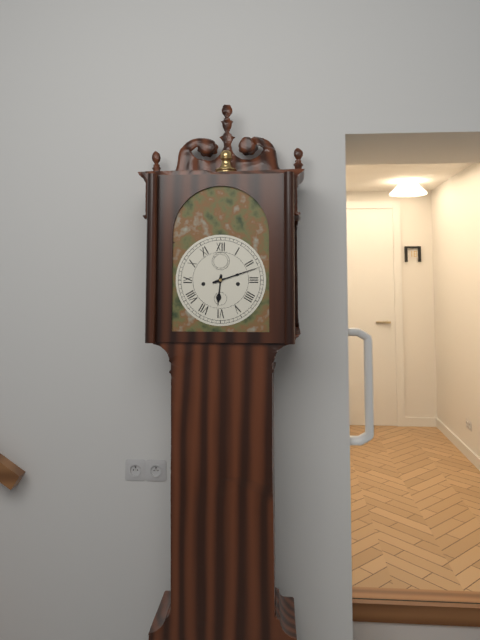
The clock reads {"hour": 6, "minute": 12}
